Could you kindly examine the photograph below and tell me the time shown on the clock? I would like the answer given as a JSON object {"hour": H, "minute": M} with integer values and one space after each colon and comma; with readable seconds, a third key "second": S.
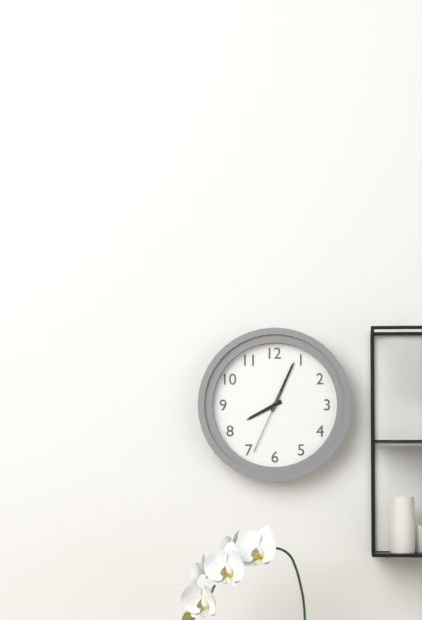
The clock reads {"hour": 8, "minute": 4, "second": 34}
